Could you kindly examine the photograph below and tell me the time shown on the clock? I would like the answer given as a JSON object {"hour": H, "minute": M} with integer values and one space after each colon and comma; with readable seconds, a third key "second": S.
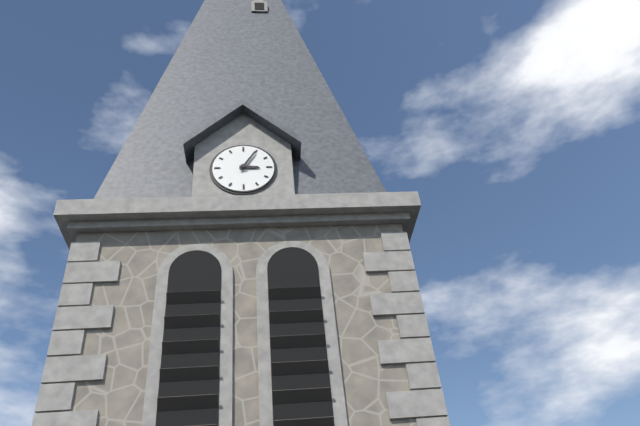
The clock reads {"hour": 3, "minute": 5}
